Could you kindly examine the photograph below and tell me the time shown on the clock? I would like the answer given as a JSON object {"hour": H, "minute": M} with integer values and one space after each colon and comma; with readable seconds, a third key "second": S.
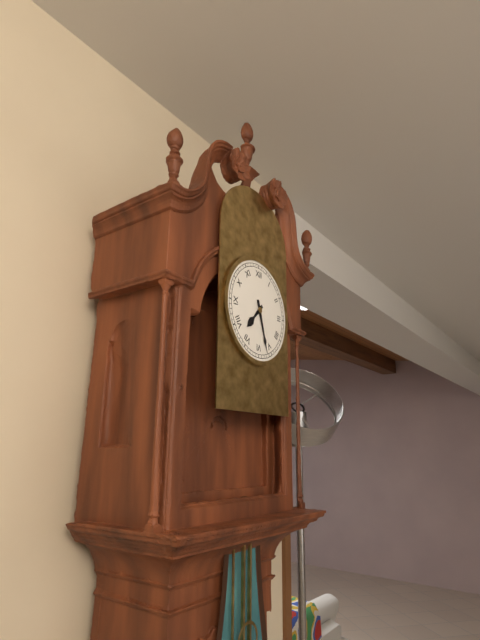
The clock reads {"hour": 7, "minute": 27}
